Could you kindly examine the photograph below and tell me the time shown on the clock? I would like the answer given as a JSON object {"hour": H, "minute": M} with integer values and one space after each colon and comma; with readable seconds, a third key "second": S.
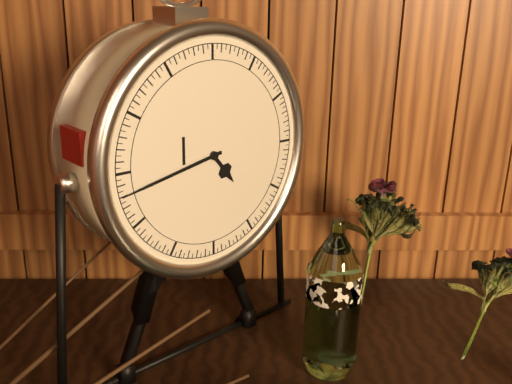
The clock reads {"hour": 4, "minute": 43}
